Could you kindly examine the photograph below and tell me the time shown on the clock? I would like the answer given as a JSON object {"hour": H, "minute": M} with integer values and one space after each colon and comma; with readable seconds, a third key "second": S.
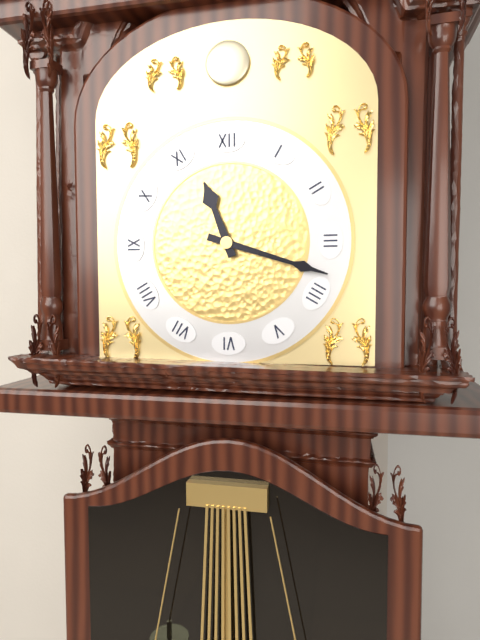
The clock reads {"hour": 11, "minute": 18}
